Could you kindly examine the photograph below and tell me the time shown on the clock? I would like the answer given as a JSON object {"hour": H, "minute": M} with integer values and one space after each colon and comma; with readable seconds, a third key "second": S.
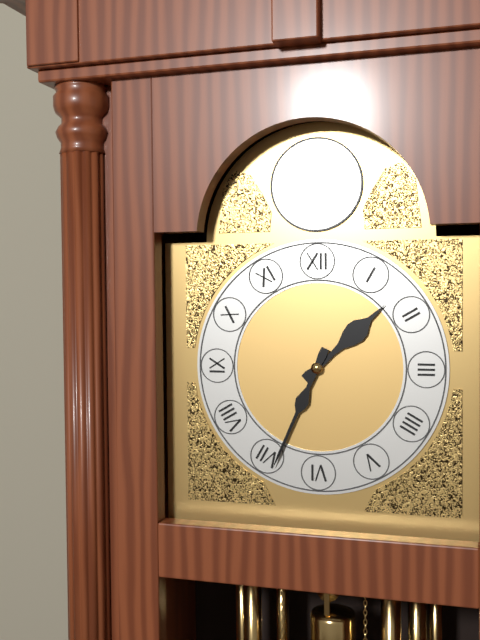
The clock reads {"hour": 1, "minute": 34}
